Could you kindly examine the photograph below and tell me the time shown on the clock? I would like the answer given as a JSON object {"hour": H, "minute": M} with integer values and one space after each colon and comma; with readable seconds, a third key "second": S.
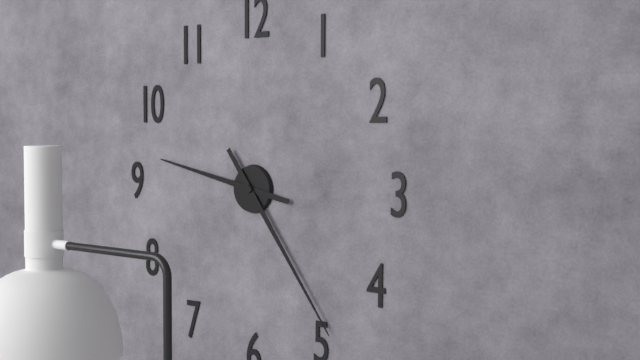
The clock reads {"hour": 9, "minute": 24}
